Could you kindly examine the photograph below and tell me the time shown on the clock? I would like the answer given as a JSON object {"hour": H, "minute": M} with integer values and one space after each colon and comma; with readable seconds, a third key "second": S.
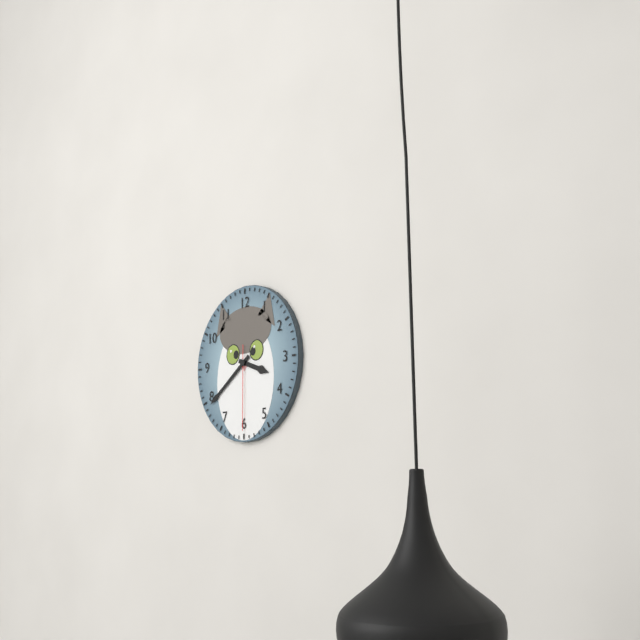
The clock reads {"hour": 3, "minute": 39, "second": 30}
